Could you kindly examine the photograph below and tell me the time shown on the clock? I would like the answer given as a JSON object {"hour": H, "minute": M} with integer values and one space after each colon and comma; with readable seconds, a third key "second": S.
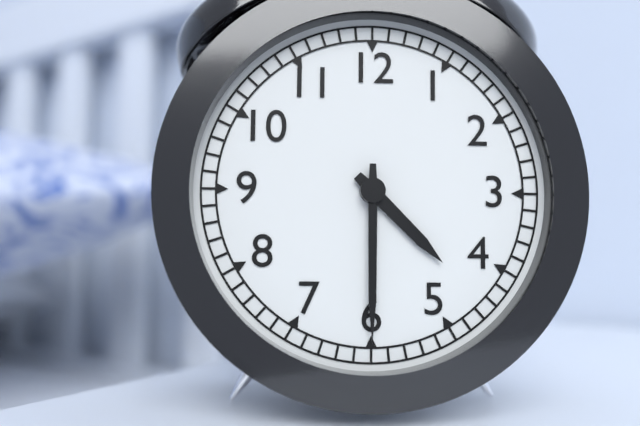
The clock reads {"hour": 4, "minute": 30}
